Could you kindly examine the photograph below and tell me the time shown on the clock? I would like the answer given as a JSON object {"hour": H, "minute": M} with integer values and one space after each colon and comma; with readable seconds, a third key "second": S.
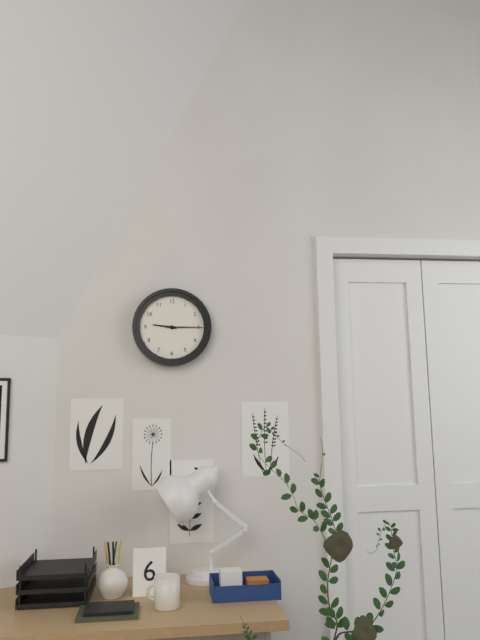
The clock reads {"hour": 9, "minute": 15}
